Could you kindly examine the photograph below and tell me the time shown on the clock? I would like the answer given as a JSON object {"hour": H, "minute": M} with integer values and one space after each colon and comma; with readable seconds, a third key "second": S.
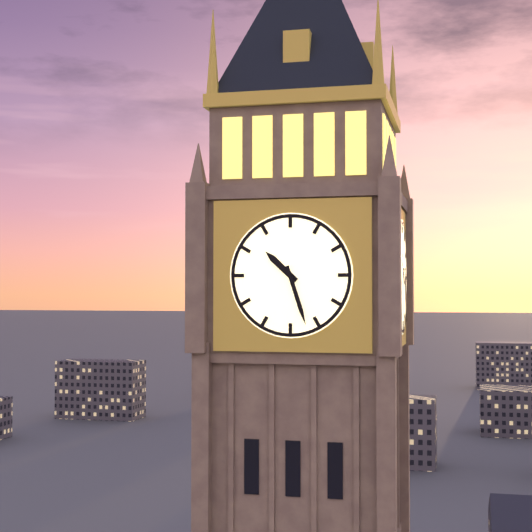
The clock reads {"hour": 10, "minute": 27}
